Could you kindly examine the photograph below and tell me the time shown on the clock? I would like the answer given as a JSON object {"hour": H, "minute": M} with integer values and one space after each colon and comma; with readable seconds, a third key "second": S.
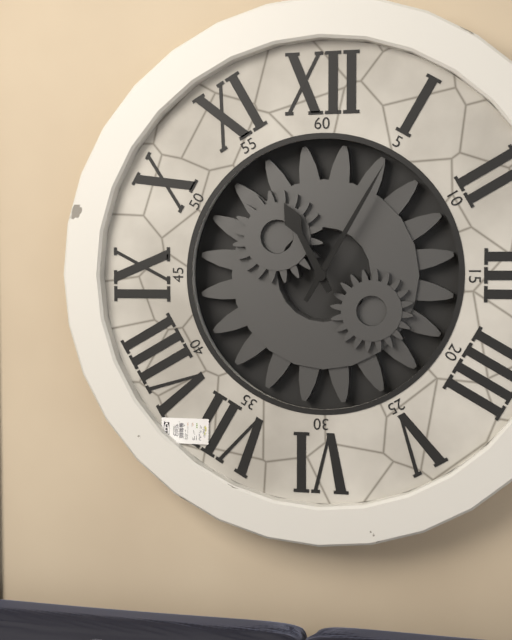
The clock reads {"hour": 11, "minute": 5}
